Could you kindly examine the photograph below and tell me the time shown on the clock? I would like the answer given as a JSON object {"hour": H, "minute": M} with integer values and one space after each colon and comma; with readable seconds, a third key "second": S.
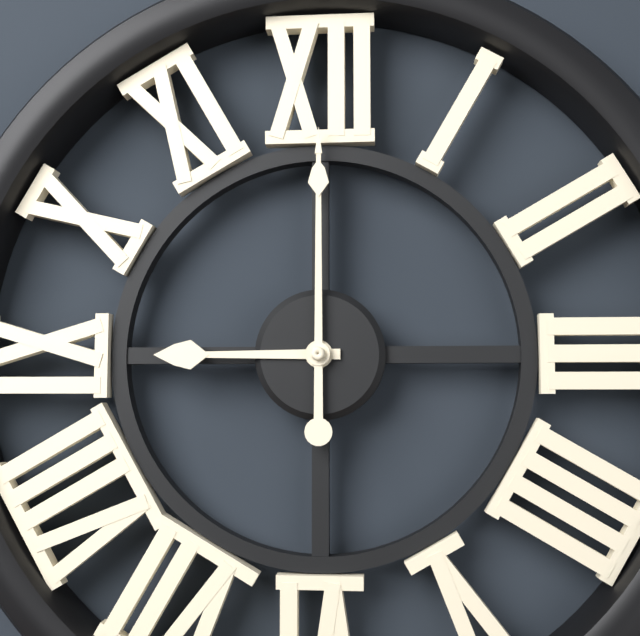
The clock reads {"hour": 9, "minute": 0}
